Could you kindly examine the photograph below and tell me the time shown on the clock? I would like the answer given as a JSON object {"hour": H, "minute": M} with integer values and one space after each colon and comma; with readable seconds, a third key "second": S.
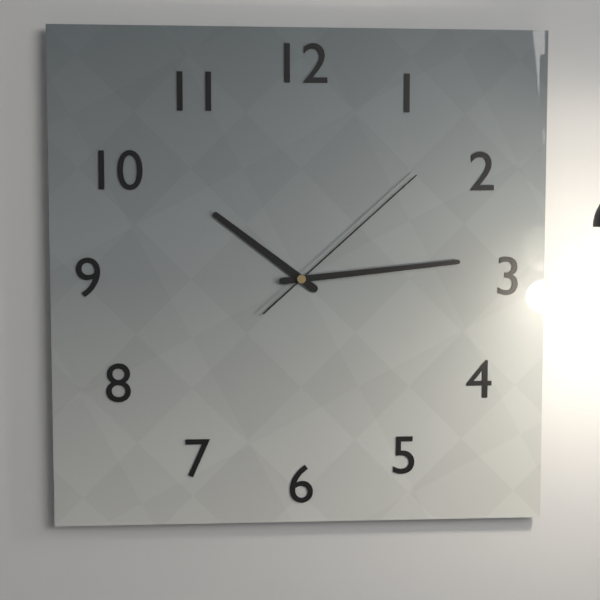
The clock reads {"hour": 10, "minute": 14, "second": 8}
